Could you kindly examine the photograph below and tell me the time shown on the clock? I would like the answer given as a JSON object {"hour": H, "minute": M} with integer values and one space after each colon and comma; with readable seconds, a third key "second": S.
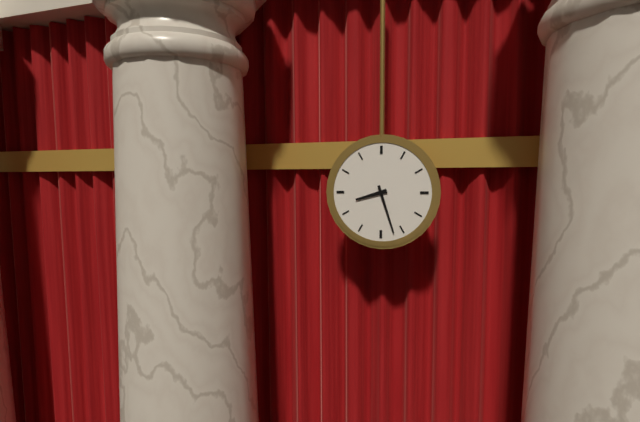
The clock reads {"hour": 8, "minute": 27}
